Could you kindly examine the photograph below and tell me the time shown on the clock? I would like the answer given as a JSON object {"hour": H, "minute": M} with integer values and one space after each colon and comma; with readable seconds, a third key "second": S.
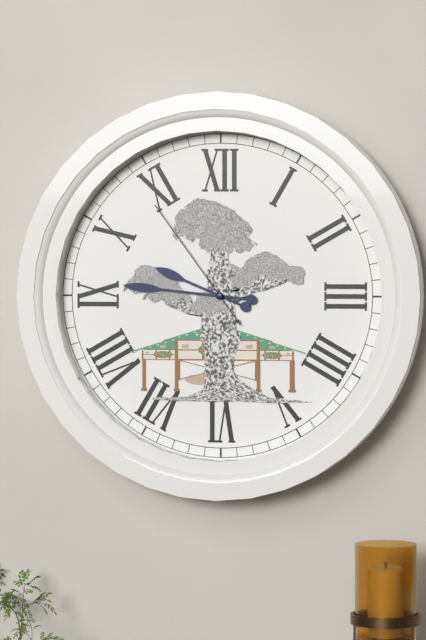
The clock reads {"hour": 9, "minute": 46, "second": 54}
